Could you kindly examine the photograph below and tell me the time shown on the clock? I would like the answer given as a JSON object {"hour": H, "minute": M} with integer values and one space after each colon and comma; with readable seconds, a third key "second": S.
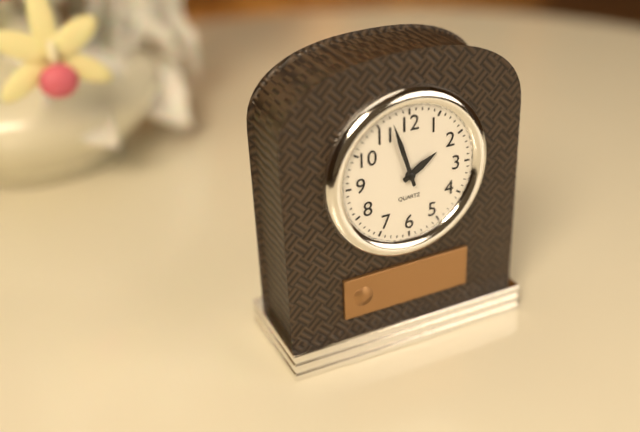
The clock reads {"hour": 1, "minute": 57}
